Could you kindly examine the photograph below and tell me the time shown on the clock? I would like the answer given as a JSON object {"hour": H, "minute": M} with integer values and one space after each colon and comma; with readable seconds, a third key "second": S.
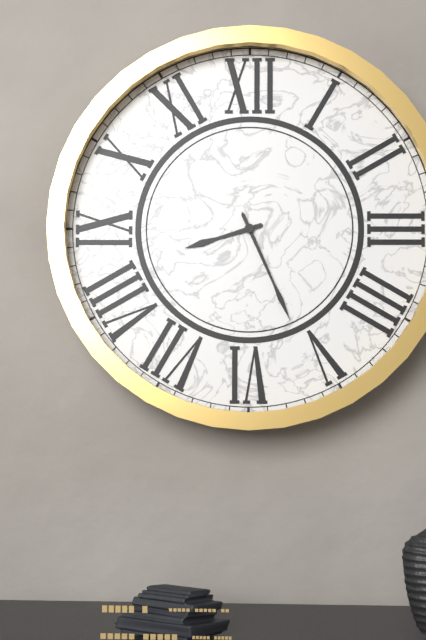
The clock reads {"hour": 8, "minute": 26}
